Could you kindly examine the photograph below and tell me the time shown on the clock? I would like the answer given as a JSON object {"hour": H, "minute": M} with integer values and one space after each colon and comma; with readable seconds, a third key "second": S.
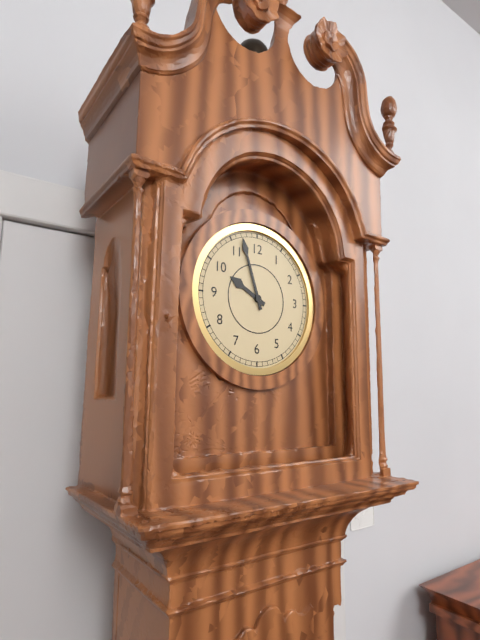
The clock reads {"hour": 9, "minute": 57}
